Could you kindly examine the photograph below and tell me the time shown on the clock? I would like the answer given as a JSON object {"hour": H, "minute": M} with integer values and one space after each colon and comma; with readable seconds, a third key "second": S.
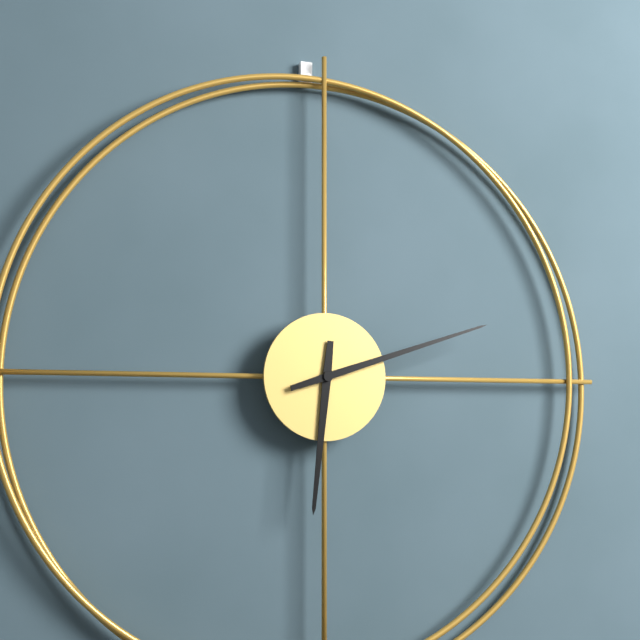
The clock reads {"hour": 6, "minute": 12}
